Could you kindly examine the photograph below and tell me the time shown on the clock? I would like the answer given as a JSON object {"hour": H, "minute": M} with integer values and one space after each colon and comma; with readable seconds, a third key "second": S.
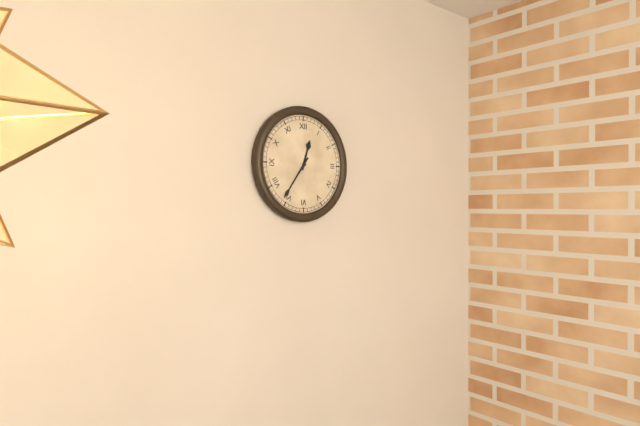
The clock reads {"hour": 12, "minute": 36}
